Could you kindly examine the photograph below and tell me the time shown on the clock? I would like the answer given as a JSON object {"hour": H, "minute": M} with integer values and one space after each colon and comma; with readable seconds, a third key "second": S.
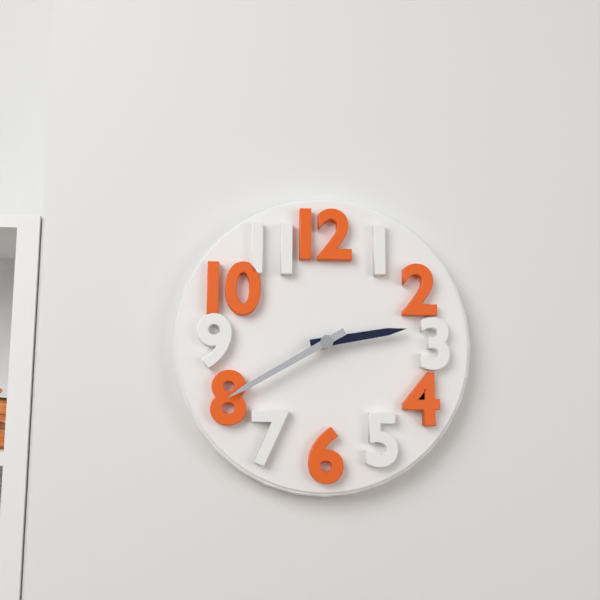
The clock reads {"hour": 2, "minute": 40}
